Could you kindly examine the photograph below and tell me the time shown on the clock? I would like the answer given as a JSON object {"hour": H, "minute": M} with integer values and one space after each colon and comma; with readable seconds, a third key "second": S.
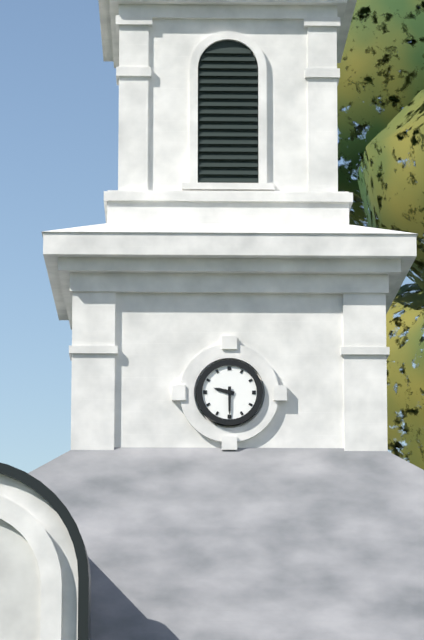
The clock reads {"hour": 9, "minute": 30}
